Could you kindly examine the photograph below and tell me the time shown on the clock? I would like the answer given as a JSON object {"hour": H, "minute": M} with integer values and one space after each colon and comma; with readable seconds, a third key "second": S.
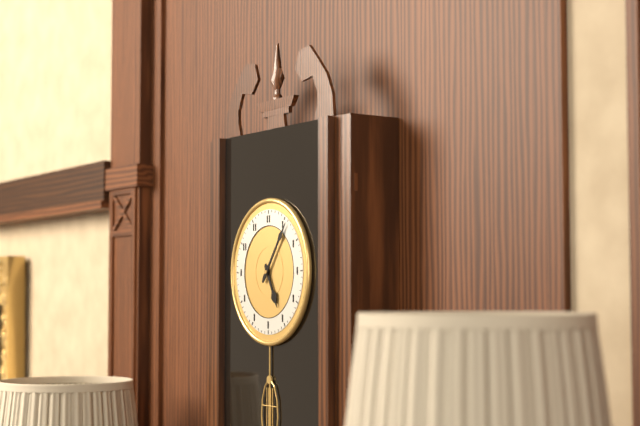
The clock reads {"hour": 5, "minute": 6}
